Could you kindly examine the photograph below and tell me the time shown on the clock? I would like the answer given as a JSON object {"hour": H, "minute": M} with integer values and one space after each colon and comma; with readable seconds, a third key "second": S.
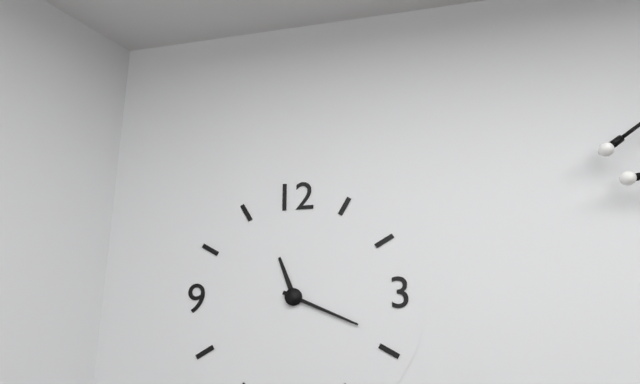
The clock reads {"hour": 11, "minute": 19}
